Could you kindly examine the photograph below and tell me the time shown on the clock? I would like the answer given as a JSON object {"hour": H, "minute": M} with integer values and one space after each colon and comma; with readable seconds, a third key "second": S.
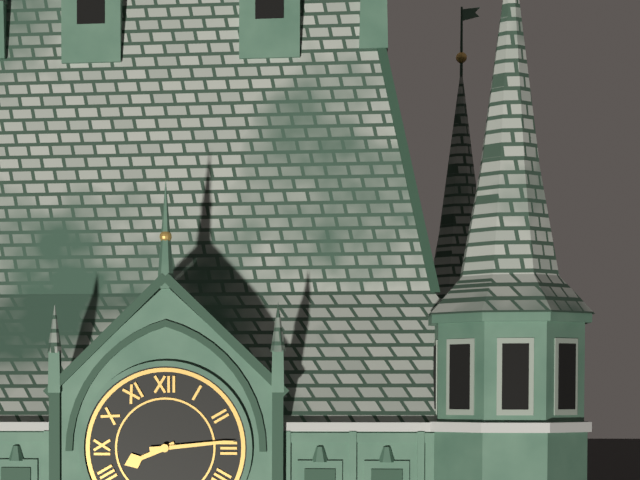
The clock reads {"hour": 8, "minute": 14}
